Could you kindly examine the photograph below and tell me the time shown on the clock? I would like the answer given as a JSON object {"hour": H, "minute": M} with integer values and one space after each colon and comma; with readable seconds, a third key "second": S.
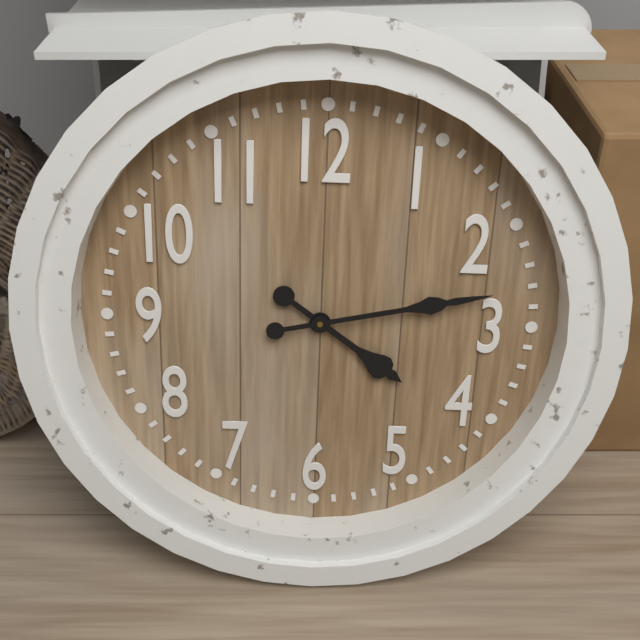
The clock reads {"hour": 4, "minute": 13}
